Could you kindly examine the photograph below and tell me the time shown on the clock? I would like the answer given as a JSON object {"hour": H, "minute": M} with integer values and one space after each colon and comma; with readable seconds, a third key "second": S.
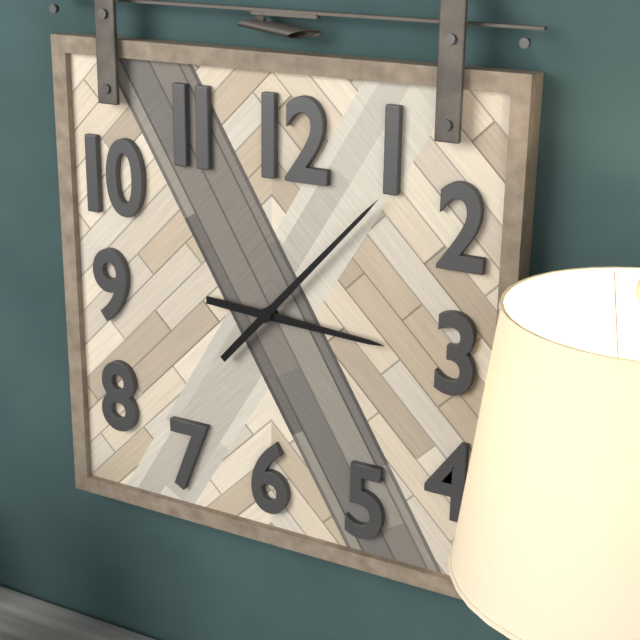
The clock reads {"hour": 3, "minute": 7}
